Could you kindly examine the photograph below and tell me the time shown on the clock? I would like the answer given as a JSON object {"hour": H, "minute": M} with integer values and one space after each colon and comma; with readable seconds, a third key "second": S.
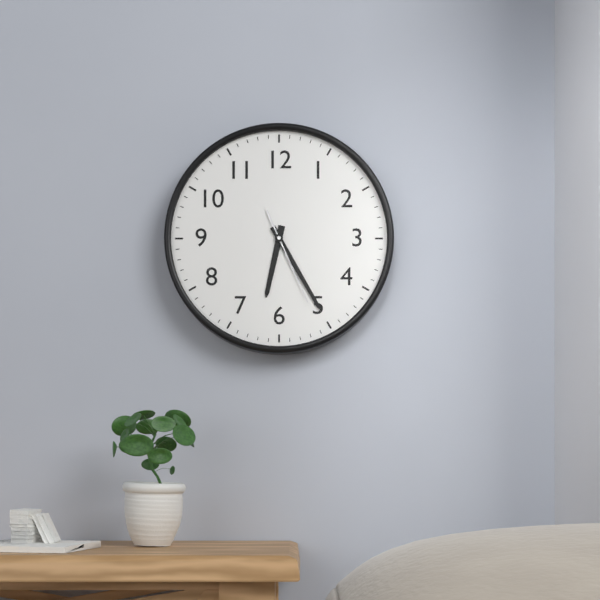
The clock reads {"hour": 6, "minute": 25, "second": 26}
